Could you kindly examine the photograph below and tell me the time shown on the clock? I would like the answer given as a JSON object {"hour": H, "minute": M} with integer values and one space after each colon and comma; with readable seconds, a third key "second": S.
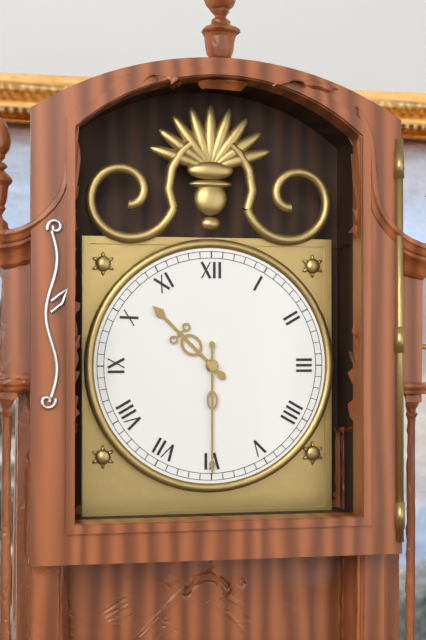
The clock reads {"hour": 10, "minute": 30}
